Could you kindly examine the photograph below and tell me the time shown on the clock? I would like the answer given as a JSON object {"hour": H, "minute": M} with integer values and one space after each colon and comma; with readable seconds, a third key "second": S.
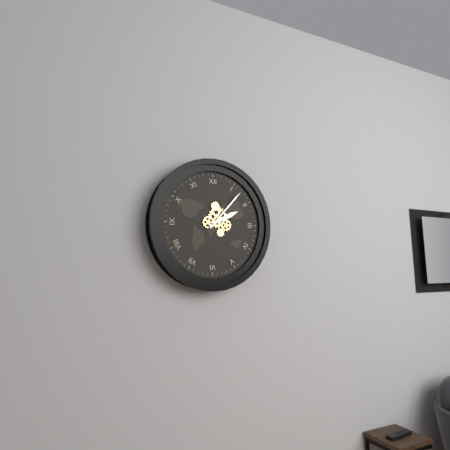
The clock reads {"hour": 2, "minute": 7}
